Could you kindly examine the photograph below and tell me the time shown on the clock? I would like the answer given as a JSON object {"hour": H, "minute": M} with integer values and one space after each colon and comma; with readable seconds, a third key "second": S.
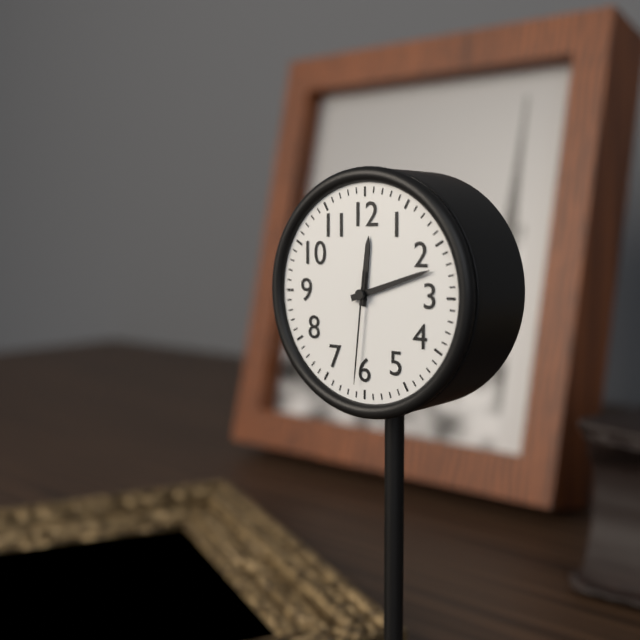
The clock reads {"hour": 12, "minute": 12, "second": 31}
